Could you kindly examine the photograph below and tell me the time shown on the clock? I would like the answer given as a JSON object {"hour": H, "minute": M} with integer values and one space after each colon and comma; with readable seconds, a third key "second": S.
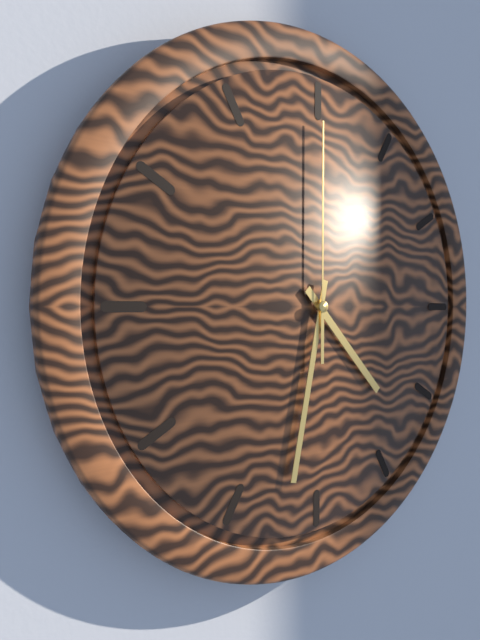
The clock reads {"hour": 4, "minute": 32, "second": 0}
